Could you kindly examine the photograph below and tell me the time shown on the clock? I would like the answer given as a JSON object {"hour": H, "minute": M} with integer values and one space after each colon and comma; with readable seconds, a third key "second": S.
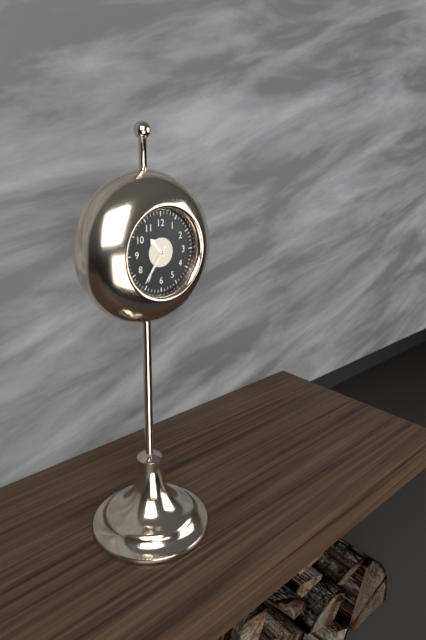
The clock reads {"hour": 10, "minute": 36}
